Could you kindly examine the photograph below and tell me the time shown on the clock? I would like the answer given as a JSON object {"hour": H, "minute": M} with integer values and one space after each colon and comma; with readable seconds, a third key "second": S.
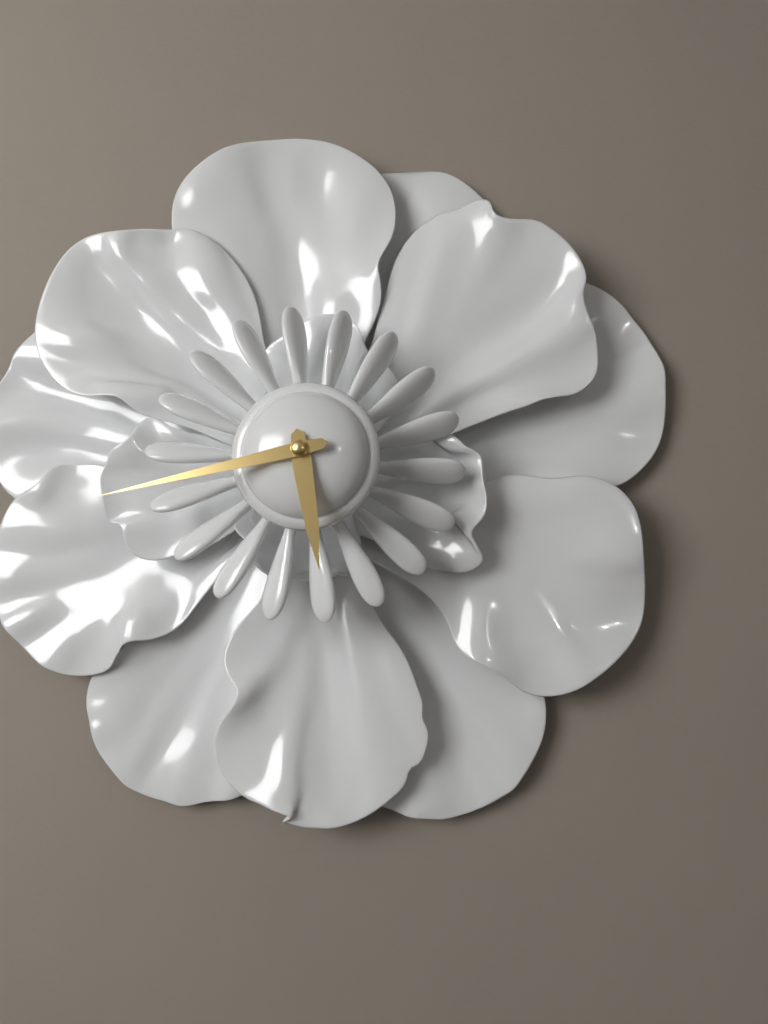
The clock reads {"hour": 5, "minute": 43}
